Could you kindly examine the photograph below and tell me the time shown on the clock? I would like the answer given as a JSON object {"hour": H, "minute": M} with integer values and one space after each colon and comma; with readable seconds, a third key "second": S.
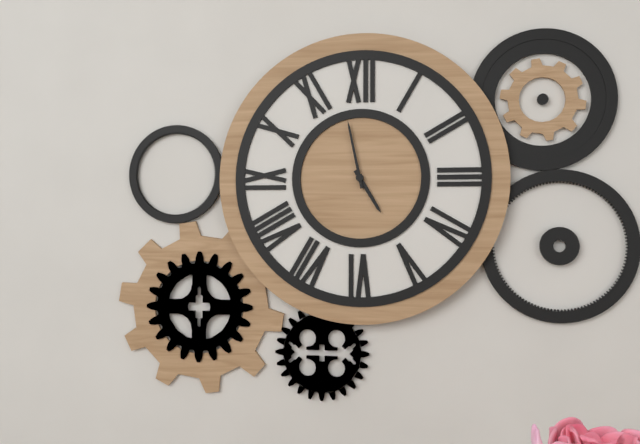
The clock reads {"hour": 4, "minute": 58}
